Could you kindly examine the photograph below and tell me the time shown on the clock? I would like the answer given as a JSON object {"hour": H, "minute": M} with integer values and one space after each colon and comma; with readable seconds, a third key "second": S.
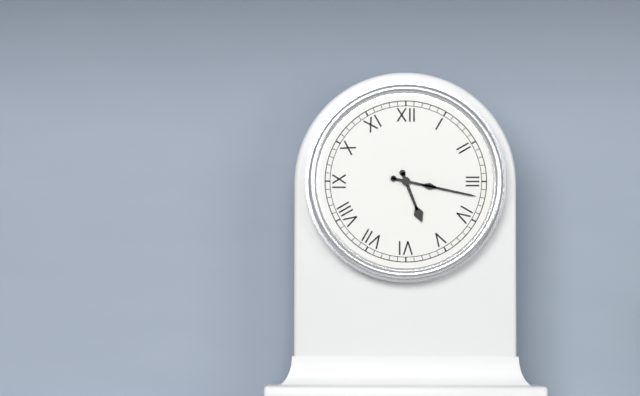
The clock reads {"hour": 5, "minute": 17}
